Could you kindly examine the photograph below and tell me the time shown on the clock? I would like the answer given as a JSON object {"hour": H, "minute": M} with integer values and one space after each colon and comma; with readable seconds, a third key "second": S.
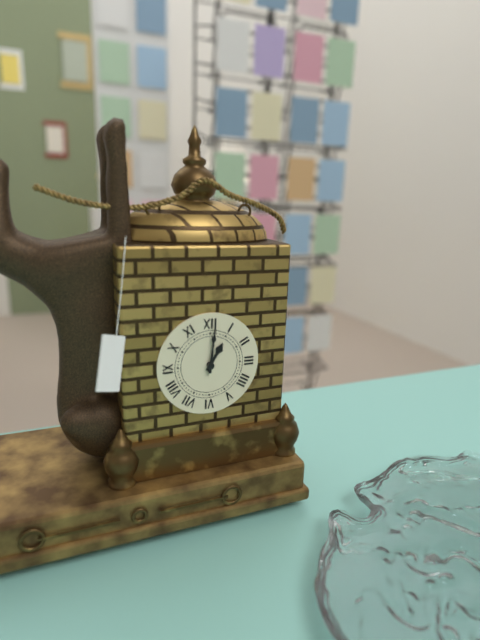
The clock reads {"hour": 1, "minute": 1}
